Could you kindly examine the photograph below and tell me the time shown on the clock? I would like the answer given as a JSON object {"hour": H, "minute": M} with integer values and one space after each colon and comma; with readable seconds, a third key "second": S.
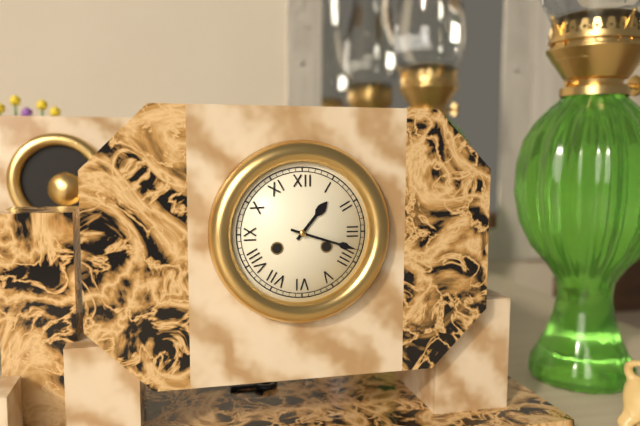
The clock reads {"hour": 1, "minute": 18}
